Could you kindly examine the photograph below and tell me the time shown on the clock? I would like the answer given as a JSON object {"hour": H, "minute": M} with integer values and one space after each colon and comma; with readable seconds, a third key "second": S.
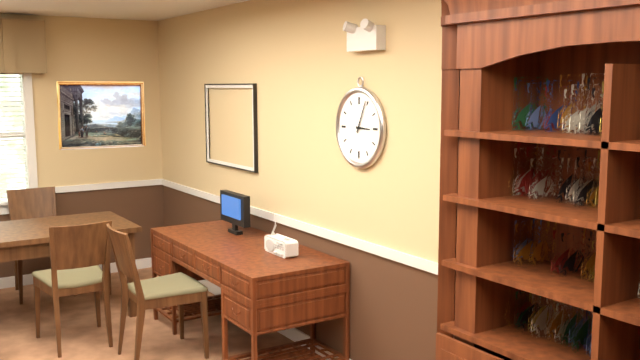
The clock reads {"hour": 3, "minute": 4}
